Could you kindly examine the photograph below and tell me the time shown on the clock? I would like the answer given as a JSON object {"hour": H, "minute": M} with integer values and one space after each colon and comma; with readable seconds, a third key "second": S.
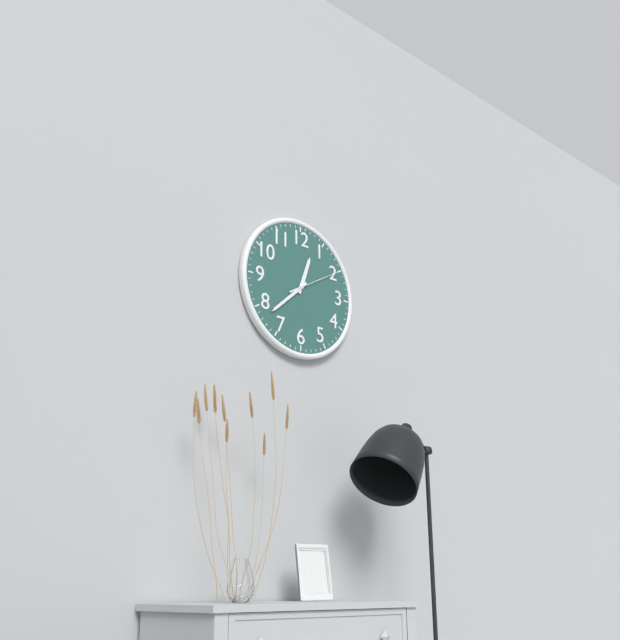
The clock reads {"hour": 12, "minute": 38, "second": 10}
